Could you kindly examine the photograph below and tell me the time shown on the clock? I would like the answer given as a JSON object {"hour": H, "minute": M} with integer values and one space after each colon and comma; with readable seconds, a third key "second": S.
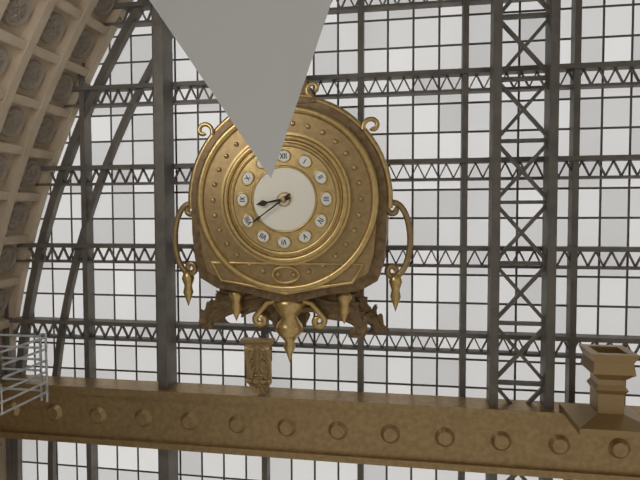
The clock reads {"hour": 8, "minute": 39}
